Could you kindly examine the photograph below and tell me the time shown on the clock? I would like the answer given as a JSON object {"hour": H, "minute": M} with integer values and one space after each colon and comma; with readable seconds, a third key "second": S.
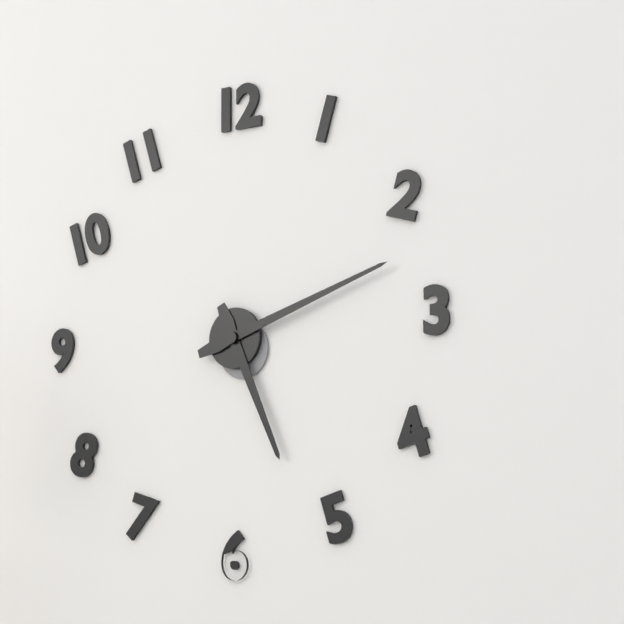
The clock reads {"hour": 5, "minute": 12}
